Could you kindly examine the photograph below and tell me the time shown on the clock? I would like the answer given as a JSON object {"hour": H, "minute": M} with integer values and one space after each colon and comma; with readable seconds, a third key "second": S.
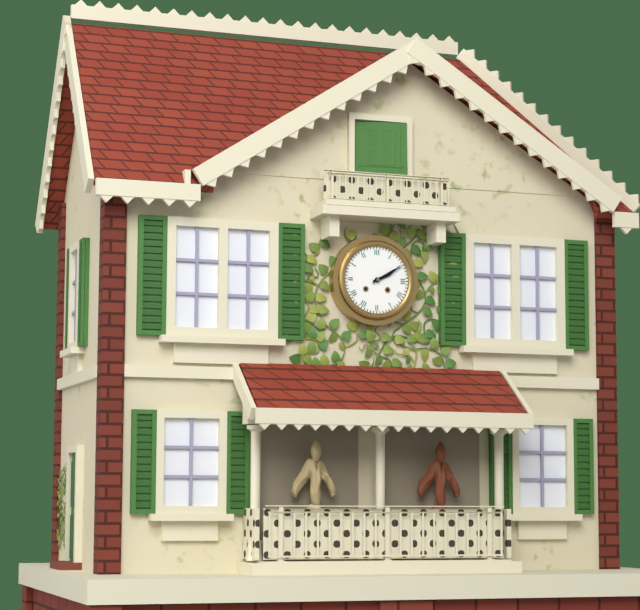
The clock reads {"hour": 2, "minute": 10}
